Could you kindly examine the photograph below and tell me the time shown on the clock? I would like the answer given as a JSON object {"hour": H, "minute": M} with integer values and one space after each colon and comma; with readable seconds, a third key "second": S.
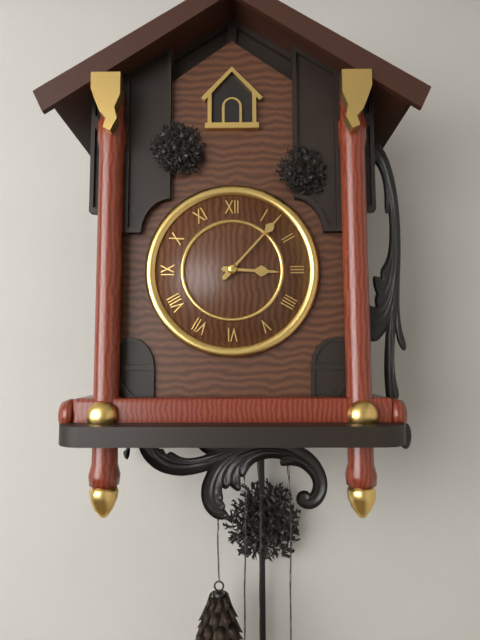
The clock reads {"hour": 3, "minute": 7}
